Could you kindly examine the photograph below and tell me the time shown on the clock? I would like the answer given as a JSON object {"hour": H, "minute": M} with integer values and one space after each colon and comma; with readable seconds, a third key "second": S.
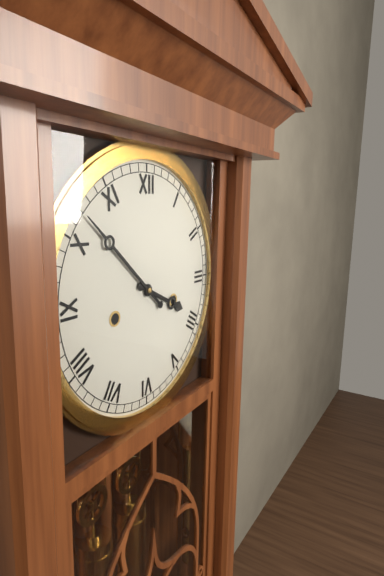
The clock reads {"hour": 3, "minute": 52}
